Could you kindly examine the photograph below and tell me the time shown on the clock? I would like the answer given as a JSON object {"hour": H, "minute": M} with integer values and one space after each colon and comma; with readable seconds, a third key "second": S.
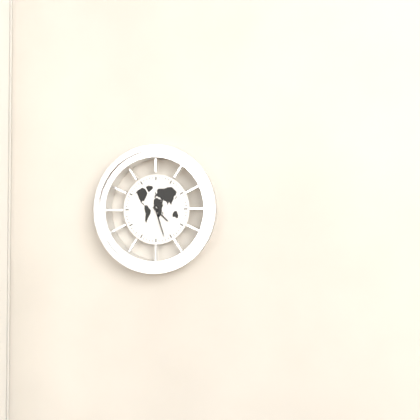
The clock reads {"hour": 4, "minute": 27}
